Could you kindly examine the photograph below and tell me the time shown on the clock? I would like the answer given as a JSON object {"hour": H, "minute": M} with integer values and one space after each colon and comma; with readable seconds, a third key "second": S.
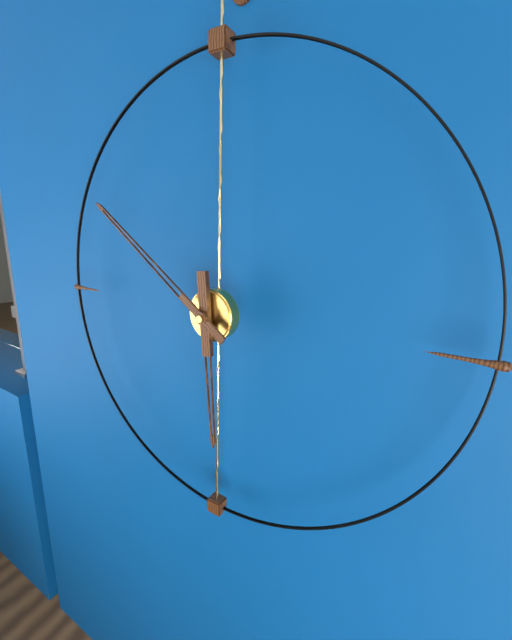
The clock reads {"hour": 5, "minute": 51}
